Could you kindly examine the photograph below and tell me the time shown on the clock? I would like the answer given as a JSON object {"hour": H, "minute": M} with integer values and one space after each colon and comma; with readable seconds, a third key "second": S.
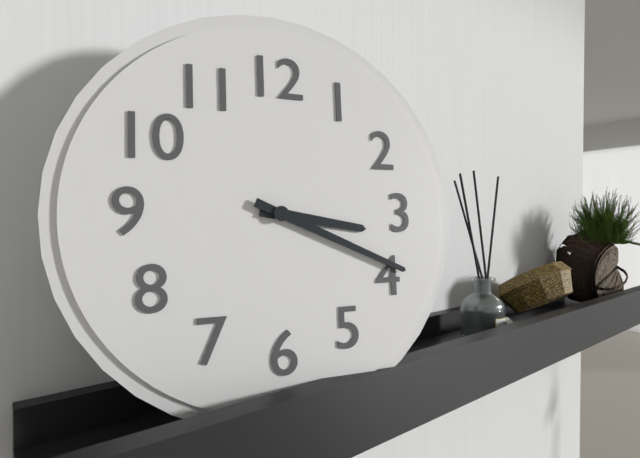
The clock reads {"hour": 3, "minute": 19}
